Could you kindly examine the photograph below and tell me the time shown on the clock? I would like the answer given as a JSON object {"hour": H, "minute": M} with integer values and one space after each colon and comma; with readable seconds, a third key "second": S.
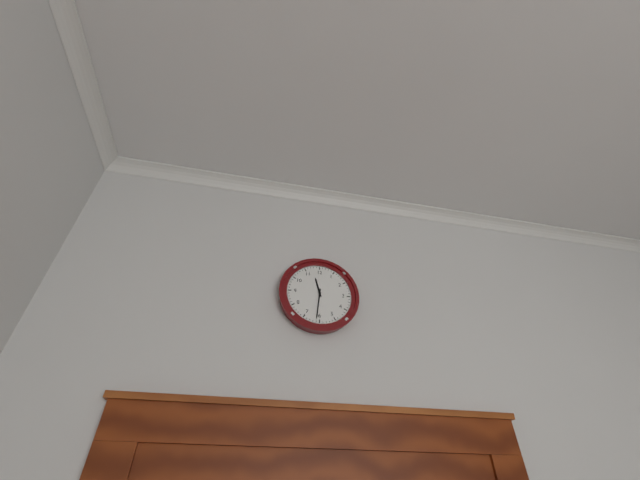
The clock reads {"hour": 11, "minute": 31}
